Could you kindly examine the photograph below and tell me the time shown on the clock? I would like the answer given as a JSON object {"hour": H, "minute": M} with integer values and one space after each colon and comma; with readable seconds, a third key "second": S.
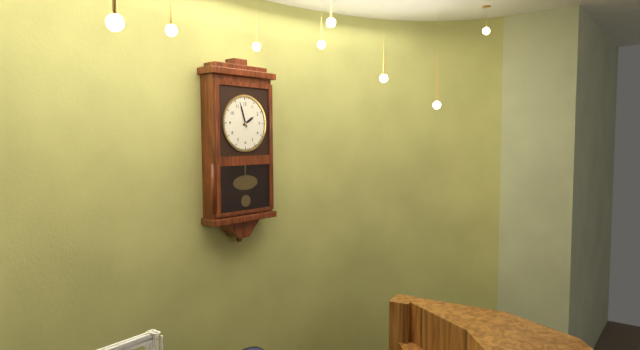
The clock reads {"hour": 1, "minute": 57}
